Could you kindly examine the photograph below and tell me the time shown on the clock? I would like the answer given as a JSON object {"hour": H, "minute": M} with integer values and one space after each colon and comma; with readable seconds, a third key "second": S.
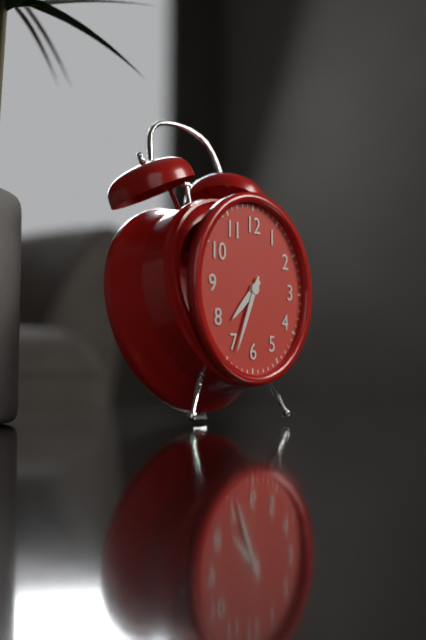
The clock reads {"hour": 7, "minute": 34}
